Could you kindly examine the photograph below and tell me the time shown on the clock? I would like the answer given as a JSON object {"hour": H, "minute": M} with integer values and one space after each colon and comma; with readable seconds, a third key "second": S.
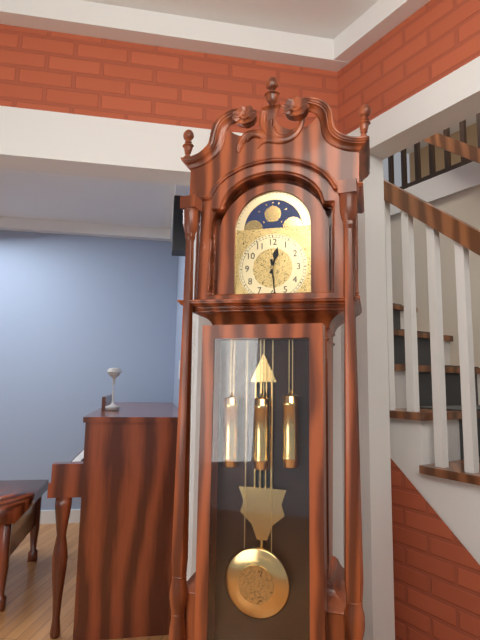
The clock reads {"hour": 12, "minute": 29}
